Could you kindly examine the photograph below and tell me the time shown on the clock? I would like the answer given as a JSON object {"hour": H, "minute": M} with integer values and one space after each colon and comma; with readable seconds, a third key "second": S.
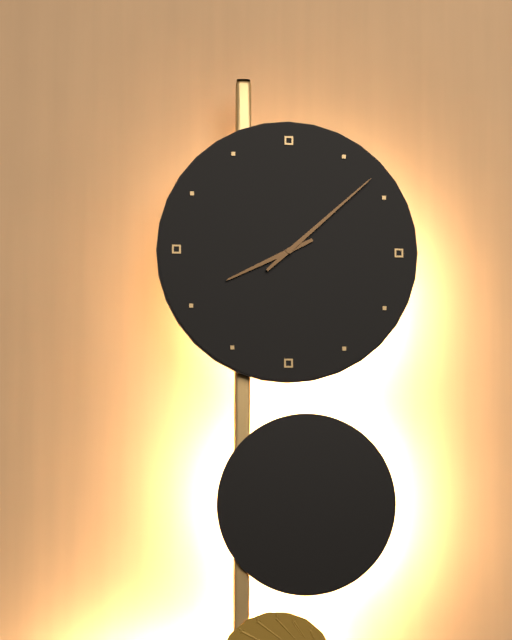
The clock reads {"hour": 8, "minute": 8}
